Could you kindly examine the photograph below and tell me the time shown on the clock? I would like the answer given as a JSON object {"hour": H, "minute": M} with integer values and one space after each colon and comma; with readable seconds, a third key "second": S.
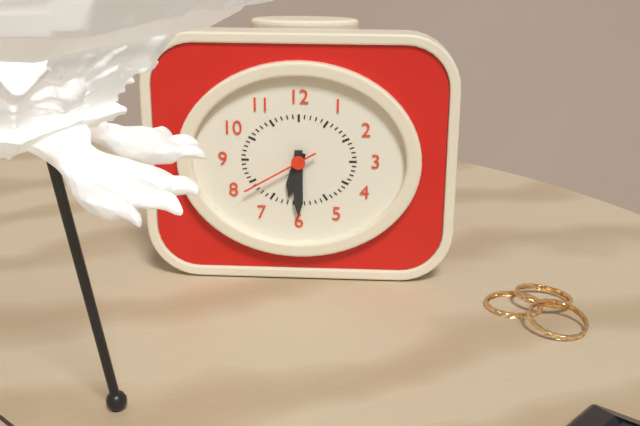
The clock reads {"hour": 6, "minute": 30, "second": 40}
